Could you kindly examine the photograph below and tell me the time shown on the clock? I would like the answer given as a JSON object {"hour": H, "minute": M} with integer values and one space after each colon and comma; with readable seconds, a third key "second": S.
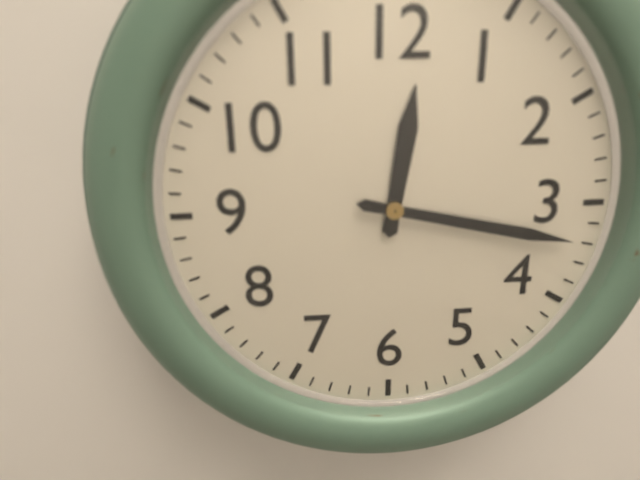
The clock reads {"hour": 12, "minute": 17}
